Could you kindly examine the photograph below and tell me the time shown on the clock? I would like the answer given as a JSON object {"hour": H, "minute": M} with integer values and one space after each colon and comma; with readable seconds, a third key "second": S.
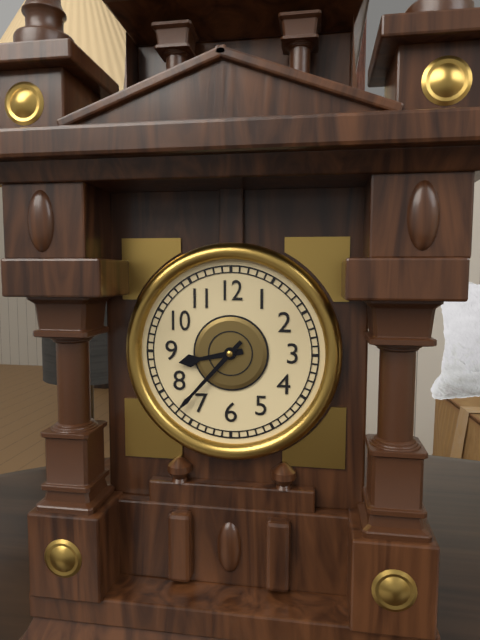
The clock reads {"hour": 8, "minute": 37}
